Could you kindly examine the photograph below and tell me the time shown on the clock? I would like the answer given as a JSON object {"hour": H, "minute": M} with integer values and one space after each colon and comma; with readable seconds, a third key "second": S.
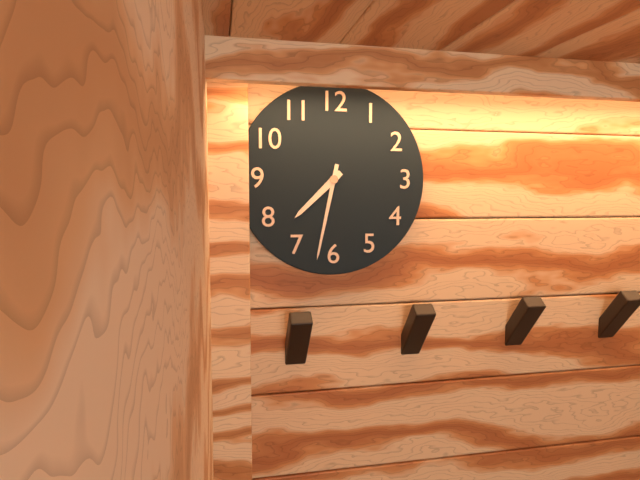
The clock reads {"hour": 7, "minute": 32}
